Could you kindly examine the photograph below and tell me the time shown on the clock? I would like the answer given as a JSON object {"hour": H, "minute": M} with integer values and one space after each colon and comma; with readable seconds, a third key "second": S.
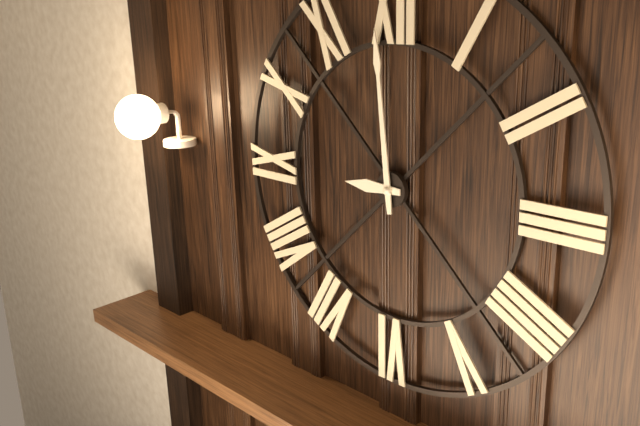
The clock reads {"hour": 8, "minute": 59}
